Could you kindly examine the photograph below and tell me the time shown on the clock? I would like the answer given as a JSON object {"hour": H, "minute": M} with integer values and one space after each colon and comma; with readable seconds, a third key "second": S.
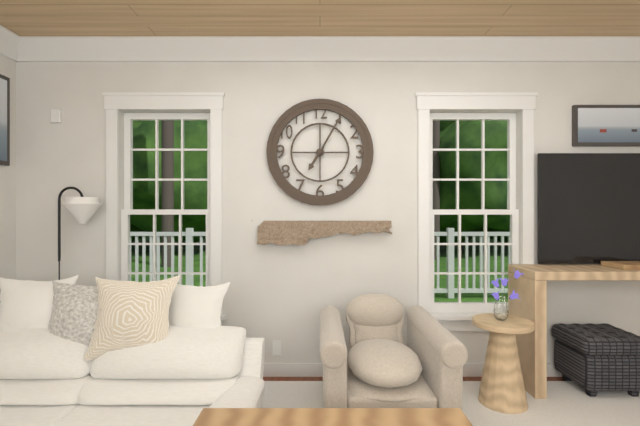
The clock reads {"hour": 7, "minute": 5}
